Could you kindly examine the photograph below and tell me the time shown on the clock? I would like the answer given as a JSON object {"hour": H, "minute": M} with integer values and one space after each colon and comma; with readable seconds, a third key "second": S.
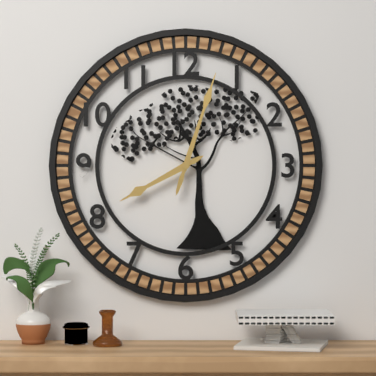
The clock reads {"hour": 8, "minute": 3}
